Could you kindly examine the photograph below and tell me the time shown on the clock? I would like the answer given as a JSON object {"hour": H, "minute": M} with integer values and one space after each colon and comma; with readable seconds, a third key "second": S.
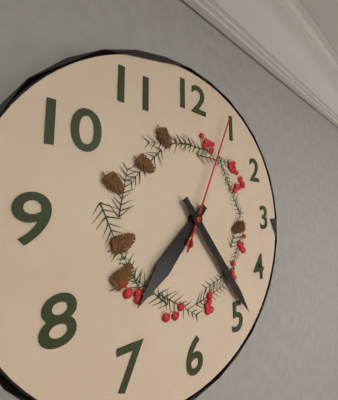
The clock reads {"hour": 7, "minute": 24, "second": 4}
